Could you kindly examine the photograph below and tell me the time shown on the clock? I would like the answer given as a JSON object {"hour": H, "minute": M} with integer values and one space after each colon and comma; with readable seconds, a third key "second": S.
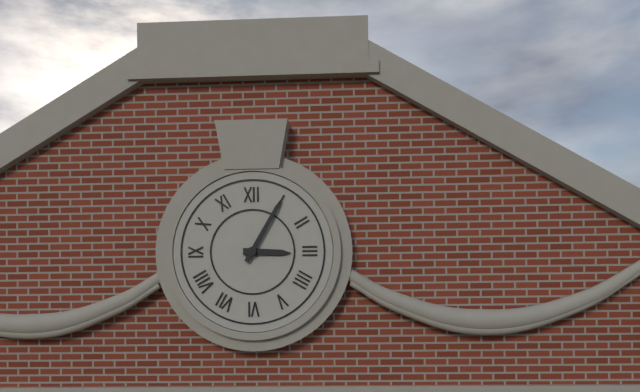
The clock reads {"hour": 3, "minute": 5}
